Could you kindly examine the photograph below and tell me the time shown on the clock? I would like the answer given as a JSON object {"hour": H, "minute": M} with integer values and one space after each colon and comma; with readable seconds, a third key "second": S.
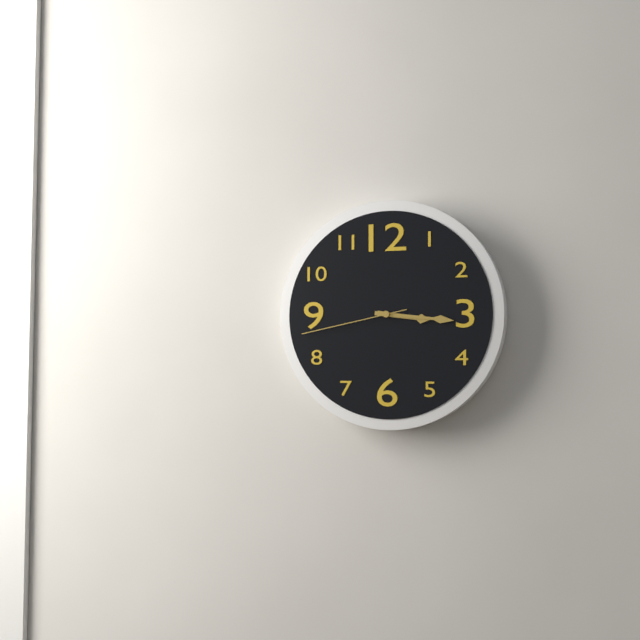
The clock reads {"hour": 3, "minute": 16, "second": 43}
